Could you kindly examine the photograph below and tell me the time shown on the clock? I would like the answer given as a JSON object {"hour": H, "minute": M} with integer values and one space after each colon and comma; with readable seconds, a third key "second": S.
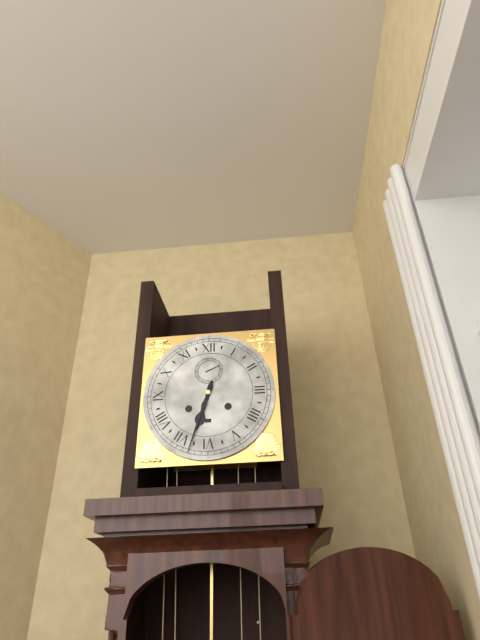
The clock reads {"hour": 6, "minute": 33}
